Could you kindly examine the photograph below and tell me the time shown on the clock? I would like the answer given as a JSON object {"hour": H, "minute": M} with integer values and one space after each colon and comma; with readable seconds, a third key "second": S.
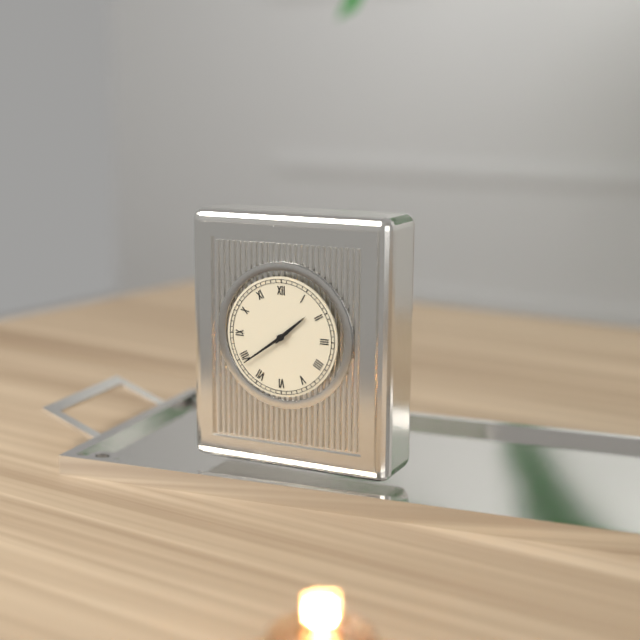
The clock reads {"hour": 1, "minute": 39}
